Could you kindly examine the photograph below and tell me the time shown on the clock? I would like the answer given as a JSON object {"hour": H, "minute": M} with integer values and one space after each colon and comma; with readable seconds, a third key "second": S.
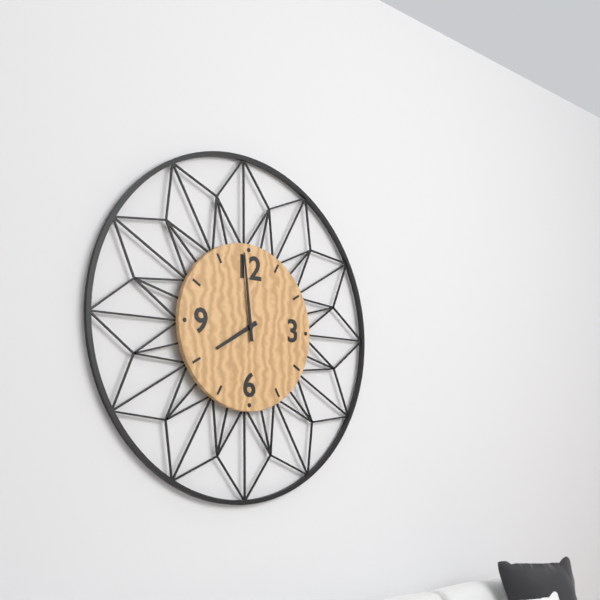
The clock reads {"hour": 7, "minute": 59}
